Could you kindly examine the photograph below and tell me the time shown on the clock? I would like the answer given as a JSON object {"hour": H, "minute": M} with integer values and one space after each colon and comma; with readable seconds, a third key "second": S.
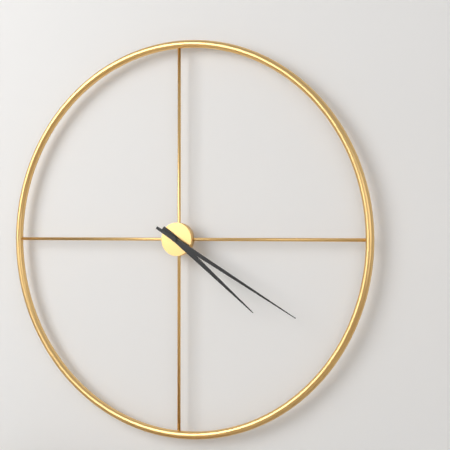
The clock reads {"hour": 4, "minute": 20}
